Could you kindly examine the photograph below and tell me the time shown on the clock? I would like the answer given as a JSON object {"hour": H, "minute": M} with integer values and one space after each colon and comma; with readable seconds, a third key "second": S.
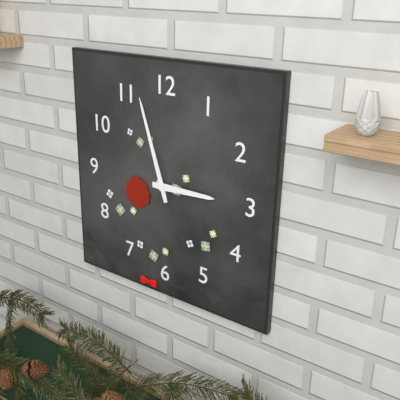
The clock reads {"hour": 2, "minute": 57}
